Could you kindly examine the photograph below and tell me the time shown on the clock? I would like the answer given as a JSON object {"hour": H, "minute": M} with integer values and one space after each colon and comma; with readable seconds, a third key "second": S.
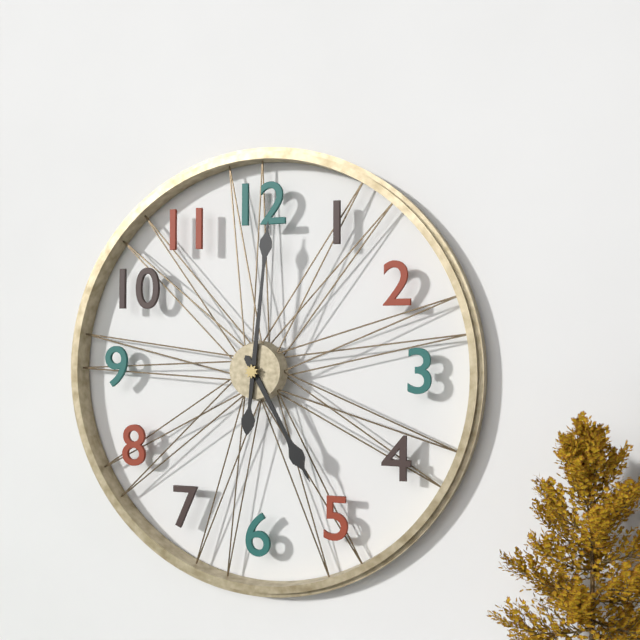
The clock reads {"hour": 5, "minute": 1}
